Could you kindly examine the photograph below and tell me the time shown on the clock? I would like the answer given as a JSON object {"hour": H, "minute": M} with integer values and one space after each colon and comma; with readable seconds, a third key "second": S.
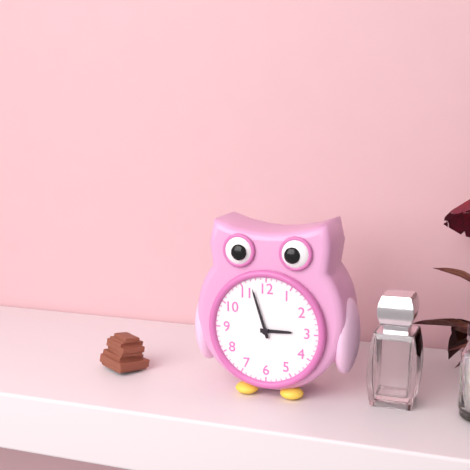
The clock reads {"hour": 2, "minute": 57}
